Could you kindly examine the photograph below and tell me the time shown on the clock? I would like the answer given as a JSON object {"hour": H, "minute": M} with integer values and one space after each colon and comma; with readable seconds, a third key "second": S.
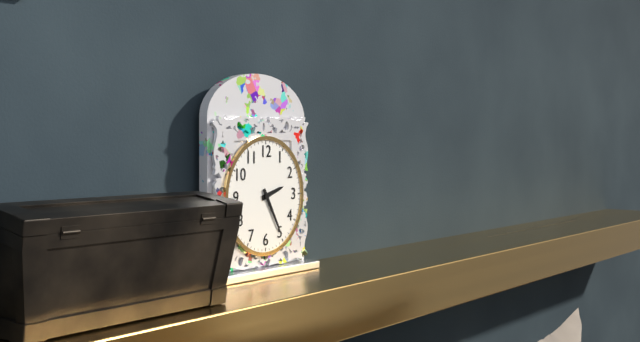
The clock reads {"hour": 2, "minute": 25}
